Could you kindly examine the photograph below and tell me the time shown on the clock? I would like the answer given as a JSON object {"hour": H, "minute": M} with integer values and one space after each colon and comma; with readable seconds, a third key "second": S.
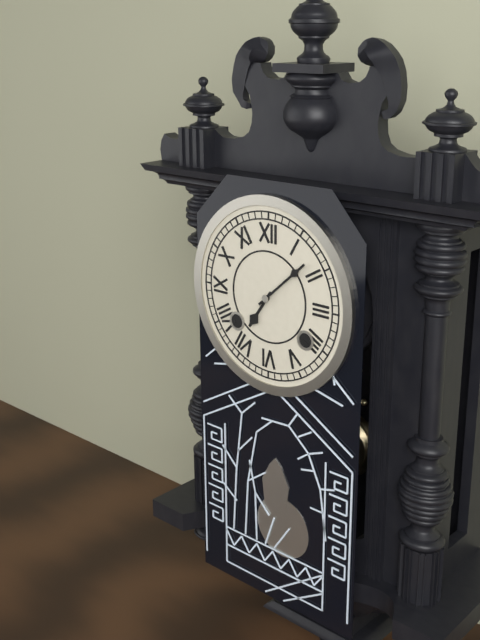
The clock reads {"hour": 7, "minute": 8}
